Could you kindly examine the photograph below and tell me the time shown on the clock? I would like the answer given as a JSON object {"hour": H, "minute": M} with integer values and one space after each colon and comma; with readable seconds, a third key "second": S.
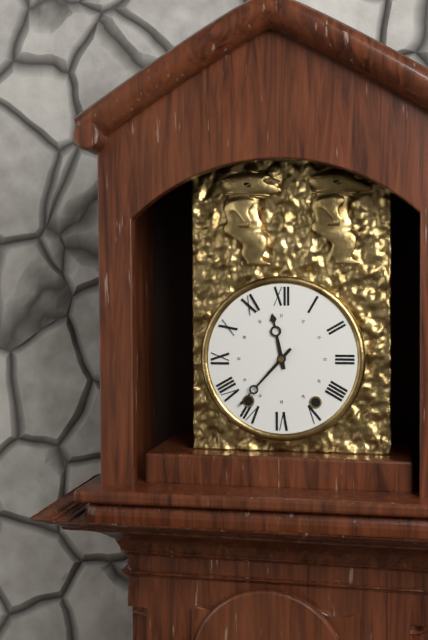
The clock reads {"hour": 11, "minute": 37}
